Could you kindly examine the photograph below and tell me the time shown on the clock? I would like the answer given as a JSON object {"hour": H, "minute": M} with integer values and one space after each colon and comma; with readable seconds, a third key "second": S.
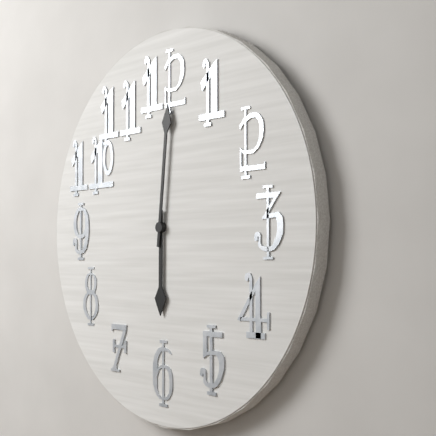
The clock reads {"hour": 6, "minute": 1}
